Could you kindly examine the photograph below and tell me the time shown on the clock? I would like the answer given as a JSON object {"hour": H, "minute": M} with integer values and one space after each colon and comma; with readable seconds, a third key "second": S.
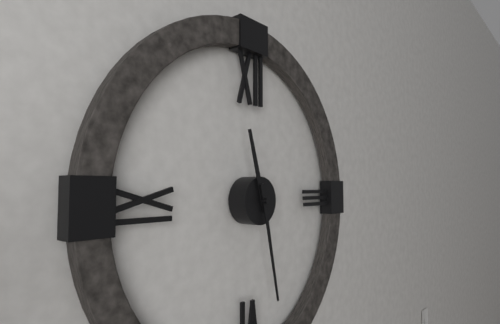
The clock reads {"hour": 11, "minute": 28}
